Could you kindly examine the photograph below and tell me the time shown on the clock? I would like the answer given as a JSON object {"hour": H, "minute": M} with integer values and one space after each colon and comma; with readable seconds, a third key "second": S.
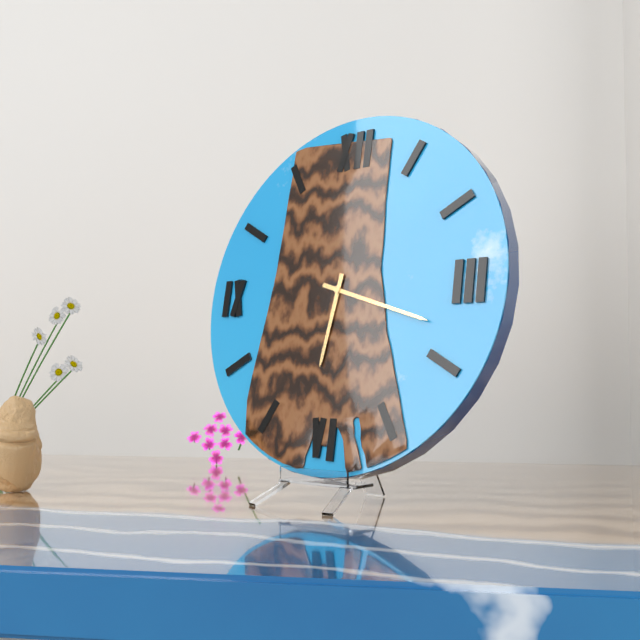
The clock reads {"hour": 6, "minute": 18}
